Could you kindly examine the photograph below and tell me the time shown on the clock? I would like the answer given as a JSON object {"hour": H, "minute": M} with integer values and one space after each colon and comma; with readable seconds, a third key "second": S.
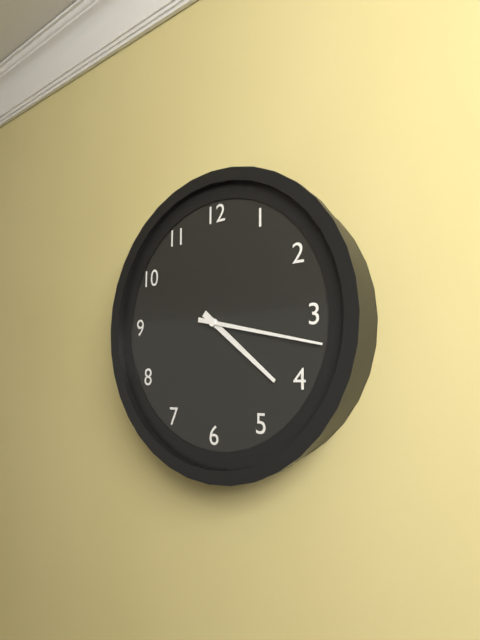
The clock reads {"hour": 4, "minute": 17}
